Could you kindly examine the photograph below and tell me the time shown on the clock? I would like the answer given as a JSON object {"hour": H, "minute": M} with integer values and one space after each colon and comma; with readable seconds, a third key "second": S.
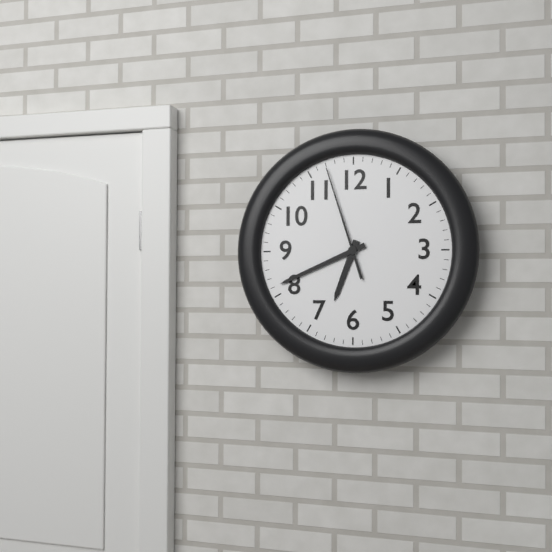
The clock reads {"hour": 6, "minute": 41, "second": 57}
